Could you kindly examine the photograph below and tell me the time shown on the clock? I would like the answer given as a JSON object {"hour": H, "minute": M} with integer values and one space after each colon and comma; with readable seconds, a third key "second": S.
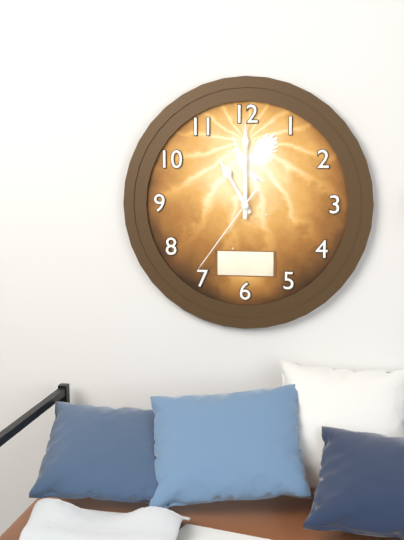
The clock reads {"hour": 11, "minute": 0, "second": 36}
